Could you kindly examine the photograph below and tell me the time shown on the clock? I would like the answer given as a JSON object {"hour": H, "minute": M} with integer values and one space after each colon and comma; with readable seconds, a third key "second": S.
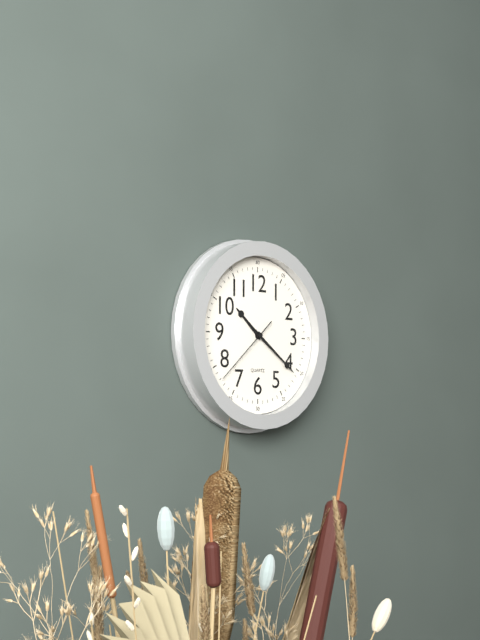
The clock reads {"hour": 10, "minute": 21, "second": 38}
